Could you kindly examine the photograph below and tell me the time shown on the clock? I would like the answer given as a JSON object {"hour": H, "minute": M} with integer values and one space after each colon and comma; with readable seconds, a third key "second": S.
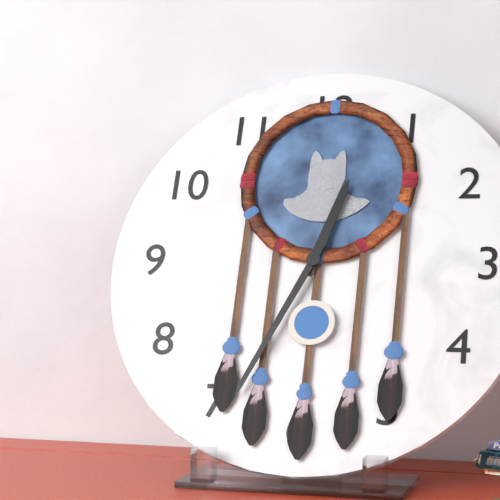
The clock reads {"hour": 12, "minute": 34}
